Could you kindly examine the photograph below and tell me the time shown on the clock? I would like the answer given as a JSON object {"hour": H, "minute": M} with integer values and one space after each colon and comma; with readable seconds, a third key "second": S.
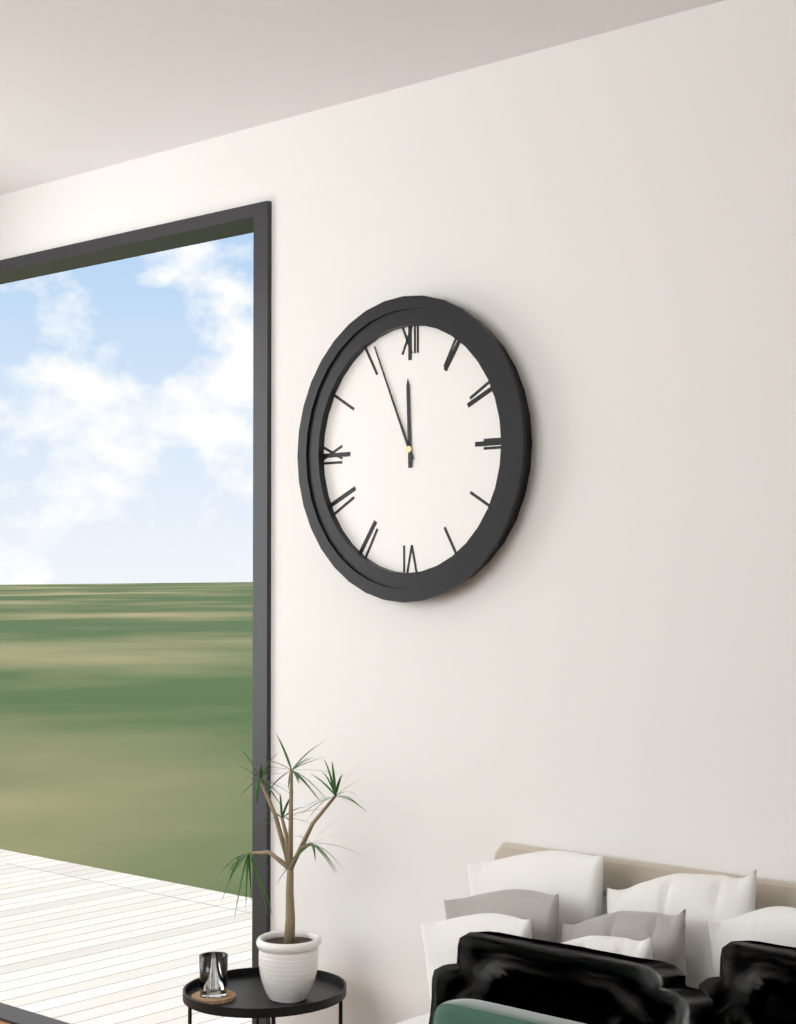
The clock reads {"hour": 11, "minute": 56}
